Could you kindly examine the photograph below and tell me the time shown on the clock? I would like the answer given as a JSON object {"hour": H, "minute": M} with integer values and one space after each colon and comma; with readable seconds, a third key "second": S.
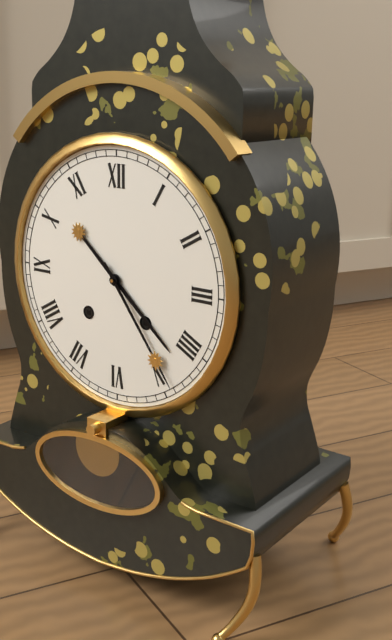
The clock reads {"hour": 4, "minute": 24}
